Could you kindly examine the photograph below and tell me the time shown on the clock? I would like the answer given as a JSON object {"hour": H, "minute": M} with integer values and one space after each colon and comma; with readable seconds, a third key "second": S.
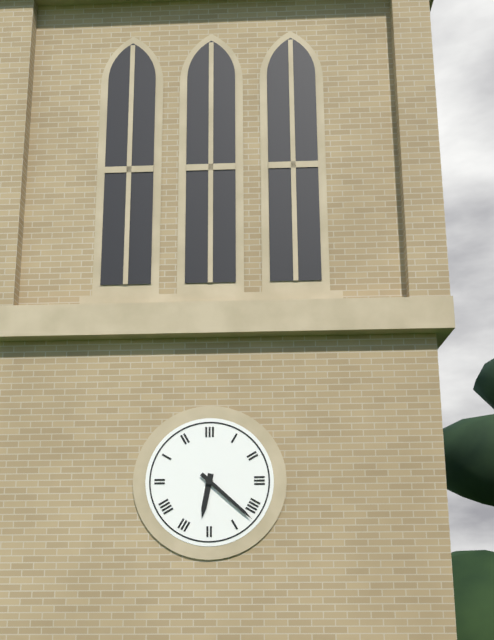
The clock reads {"hour": 6, "minute": 22}
